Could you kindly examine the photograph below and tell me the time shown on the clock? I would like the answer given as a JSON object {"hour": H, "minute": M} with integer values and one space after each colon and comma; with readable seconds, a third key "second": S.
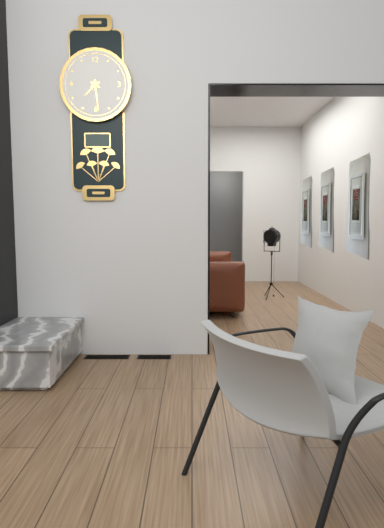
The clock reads {"hour": 7, "minute": 29}
